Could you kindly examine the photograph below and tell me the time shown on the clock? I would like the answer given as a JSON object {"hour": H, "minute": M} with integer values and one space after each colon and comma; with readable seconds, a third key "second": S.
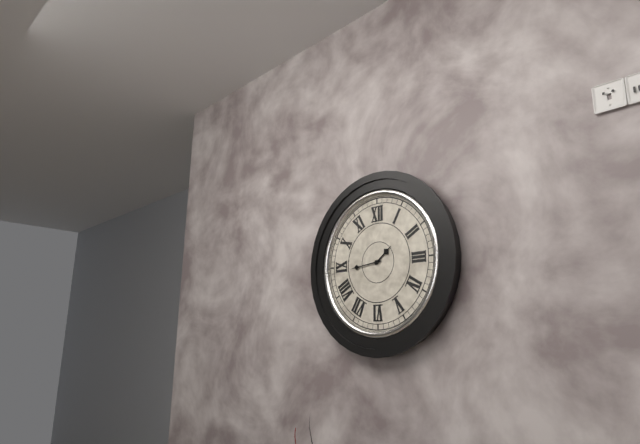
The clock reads {"hour": 1, "minute": 44}
